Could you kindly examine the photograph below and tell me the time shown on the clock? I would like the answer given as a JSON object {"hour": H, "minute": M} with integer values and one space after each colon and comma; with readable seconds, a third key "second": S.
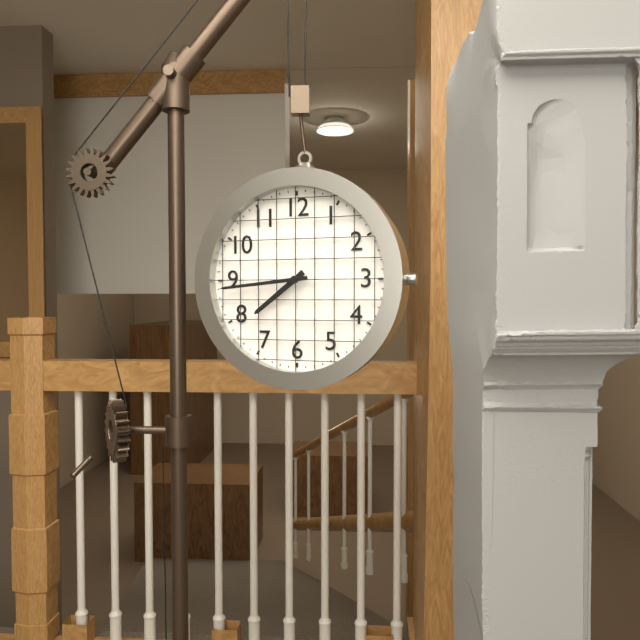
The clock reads {"hour": 7, "minute": 44}
